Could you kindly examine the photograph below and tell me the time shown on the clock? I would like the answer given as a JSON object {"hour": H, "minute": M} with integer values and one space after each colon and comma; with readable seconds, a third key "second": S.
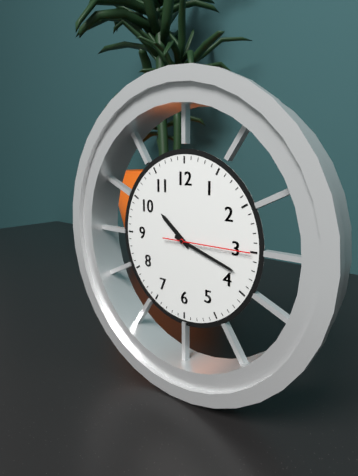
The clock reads {"hour": 10, "minute": 18, "second": 15}
